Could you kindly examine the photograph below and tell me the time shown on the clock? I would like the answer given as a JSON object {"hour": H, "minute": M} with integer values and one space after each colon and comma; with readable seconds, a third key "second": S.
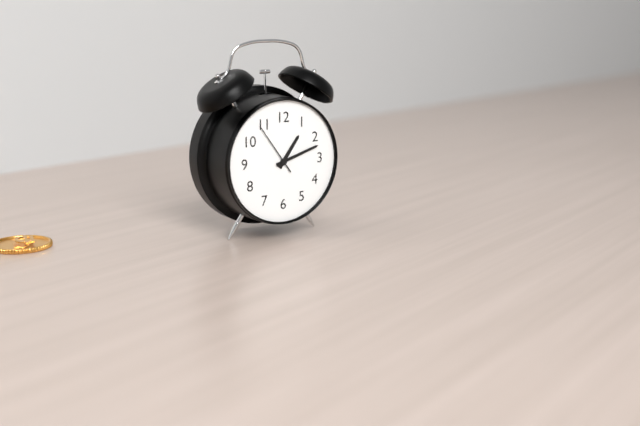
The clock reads {"hour": 1, "minute": 12, "second": 54}
